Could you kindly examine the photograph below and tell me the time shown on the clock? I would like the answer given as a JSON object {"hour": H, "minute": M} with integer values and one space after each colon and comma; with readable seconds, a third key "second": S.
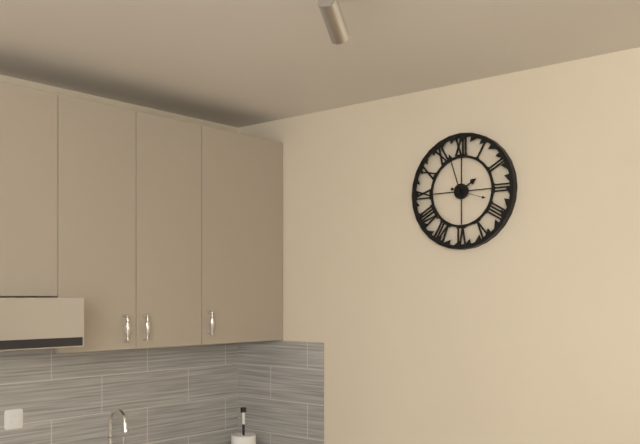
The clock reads {"hour": 1, "minute": 57}
